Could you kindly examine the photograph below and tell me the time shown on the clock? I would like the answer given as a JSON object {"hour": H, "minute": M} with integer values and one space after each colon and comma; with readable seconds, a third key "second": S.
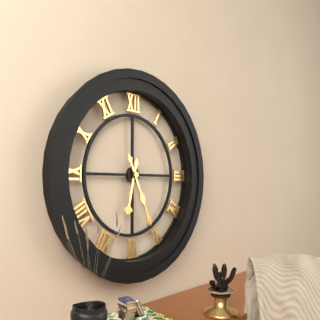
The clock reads {"hour": 6, "minute": 26}
